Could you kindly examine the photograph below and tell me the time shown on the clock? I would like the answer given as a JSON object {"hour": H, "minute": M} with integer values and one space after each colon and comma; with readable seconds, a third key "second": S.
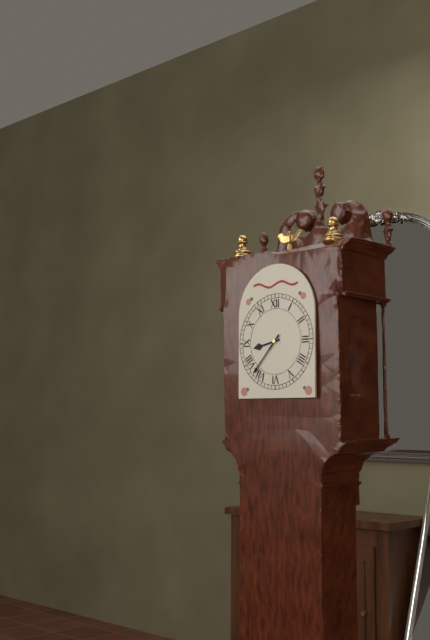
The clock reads {"hour": 8, "minute": 37}
